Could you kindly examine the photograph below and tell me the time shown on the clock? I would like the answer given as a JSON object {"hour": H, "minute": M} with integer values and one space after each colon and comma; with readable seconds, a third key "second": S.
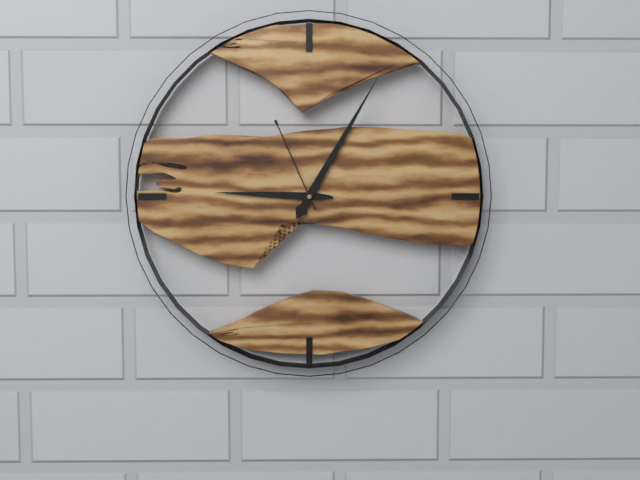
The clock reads {"hour": 9, "minute": 5, "second": 56}
